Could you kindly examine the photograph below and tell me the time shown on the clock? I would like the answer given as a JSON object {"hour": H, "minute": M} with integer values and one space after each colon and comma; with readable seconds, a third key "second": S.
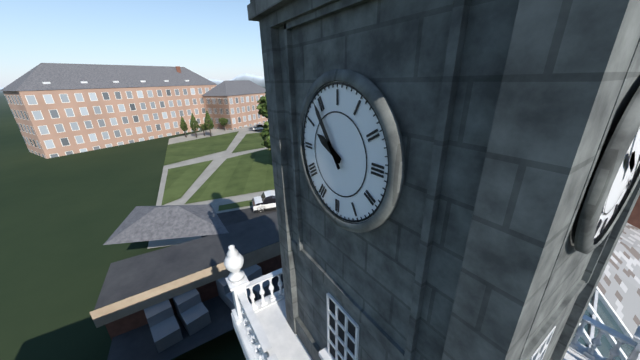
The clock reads {"hour": 9, "minute": 54}
